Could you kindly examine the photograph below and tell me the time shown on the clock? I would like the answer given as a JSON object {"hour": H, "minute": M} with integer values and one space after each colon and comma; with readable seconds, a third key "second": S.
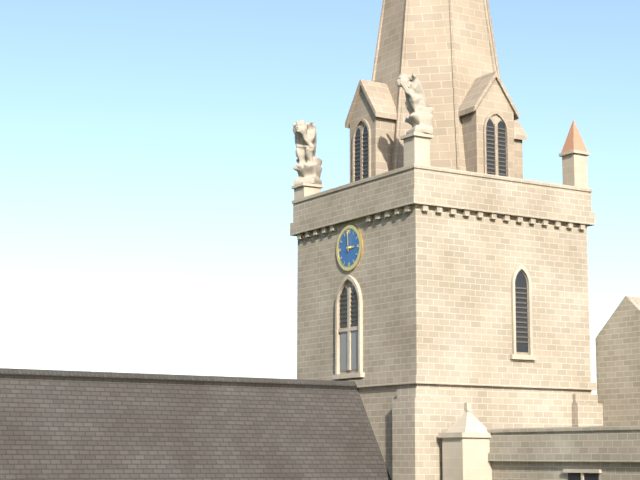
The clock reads {"hour": 2, "minute": 59}
